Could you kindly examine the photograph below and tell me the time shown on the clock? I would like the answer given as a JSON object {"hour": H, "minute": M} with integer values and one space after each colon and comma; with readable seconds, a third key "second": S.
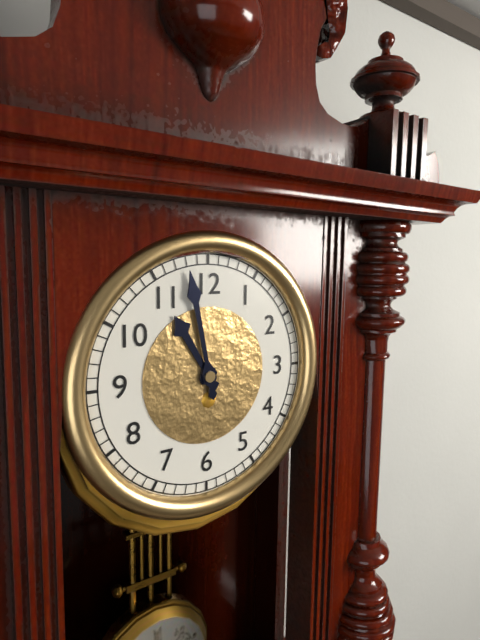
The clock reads {"hour": 10, "minute": 58}
